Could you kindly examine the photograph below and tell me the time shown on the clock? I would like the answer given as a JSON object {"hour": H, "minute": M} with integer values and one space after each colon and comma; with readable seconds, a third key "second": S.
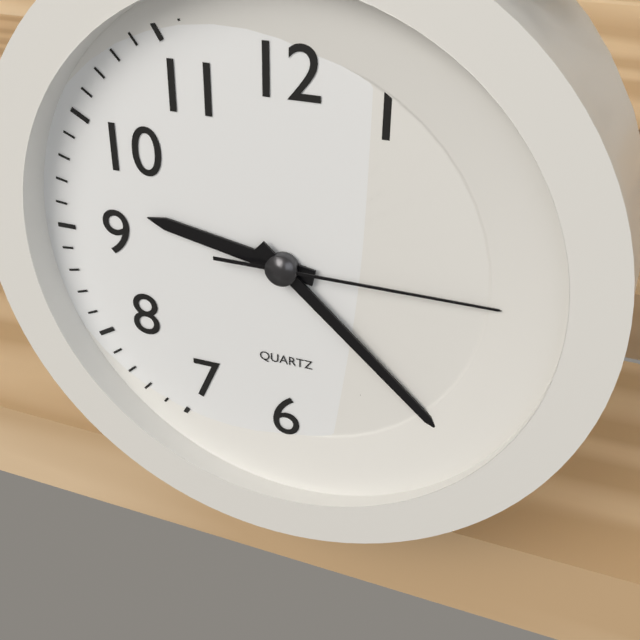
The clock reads {"hour": 9, "minute": 22, "second": 15}
